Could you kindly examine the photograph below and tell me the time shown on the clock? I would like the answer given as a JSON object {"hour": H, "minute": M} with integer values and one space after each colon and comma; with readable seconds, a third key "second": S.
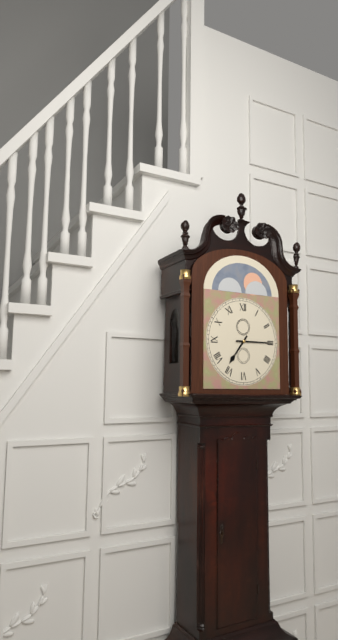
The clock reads {"hour": 7, "minute": 15}
